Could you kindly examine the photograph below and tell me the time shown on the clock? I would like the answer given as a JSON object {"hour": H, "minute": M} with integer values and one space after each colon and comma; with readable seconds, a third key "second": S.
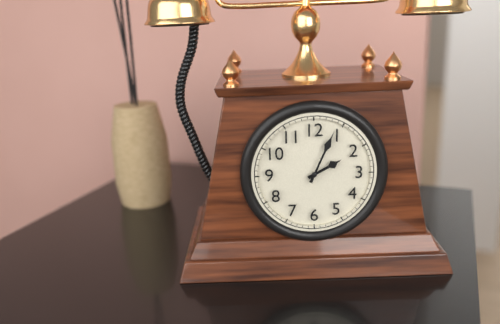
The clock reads {"hour": 2, "minute": 4}
